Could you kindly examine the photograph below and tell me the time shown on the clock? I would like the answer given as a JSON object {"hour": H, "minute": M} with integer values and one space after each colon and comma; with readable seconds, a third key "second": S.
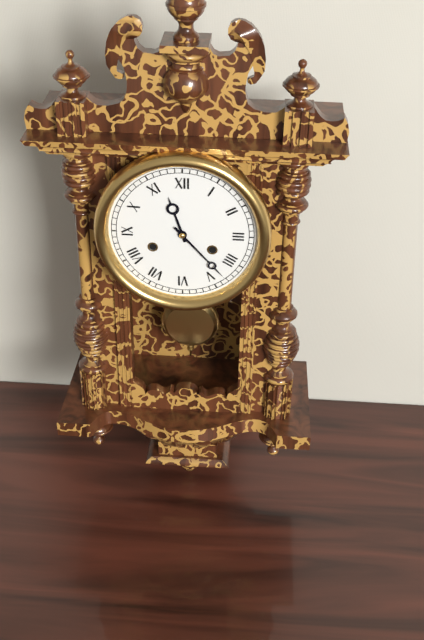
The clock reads {"hour": 11, "minute": 23}
